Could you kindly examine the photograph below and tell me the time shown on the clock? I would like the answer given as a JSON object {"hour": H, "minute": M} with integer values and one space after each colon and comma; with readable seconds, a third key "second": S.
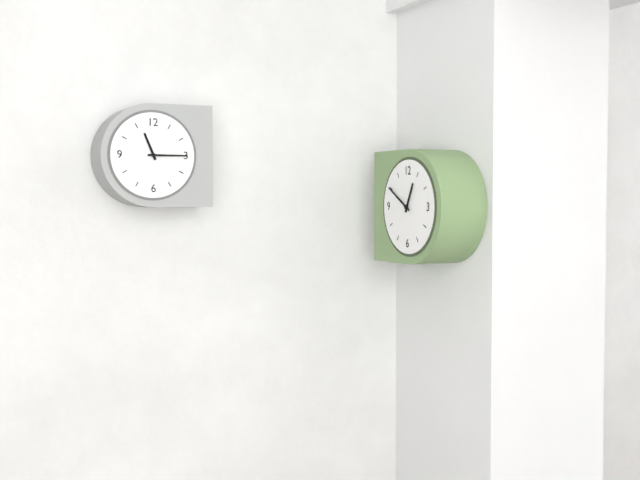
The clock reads {"hour": 12, "minute": 50}
